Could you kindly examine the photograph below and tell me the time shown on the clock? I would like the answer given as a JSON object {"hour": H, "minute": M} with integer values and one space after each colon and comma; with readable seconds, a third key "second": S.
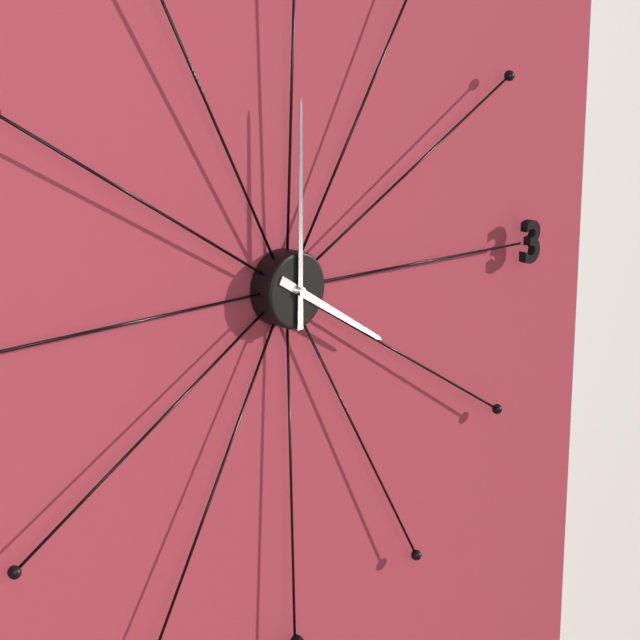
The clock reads {"hour": 4, "minute": 0}
